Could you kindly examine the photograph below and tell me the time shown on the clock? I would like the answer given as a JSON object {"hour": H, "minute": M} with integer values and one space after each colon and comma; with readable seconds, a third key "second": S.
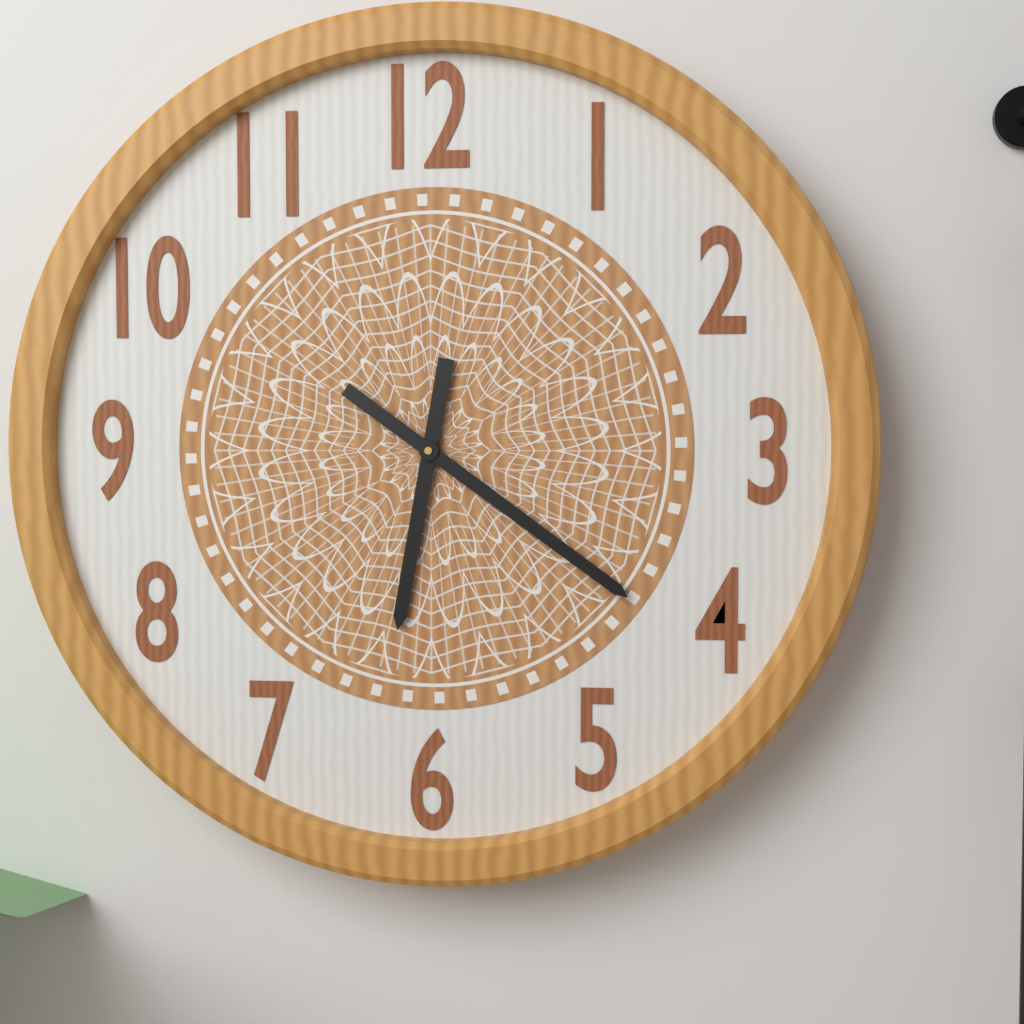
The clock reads {"hour": 6, "minute": 21}
